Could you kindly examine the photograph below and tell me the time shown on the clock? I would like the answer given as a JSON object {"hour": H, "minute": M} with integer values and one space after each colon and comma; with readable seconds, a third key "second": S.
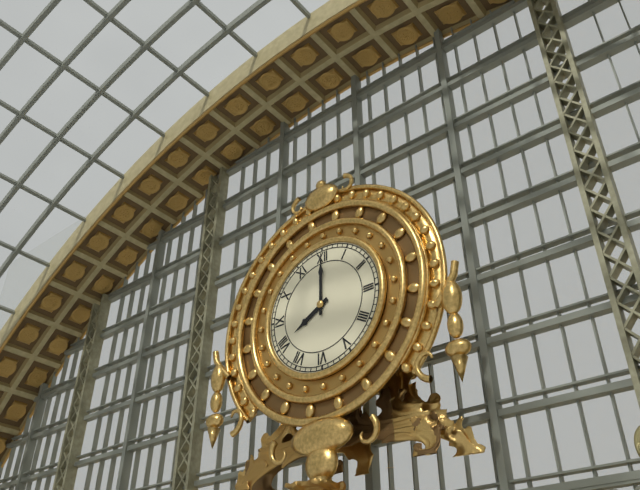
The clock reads {"hour": 8, "minute": 0}
